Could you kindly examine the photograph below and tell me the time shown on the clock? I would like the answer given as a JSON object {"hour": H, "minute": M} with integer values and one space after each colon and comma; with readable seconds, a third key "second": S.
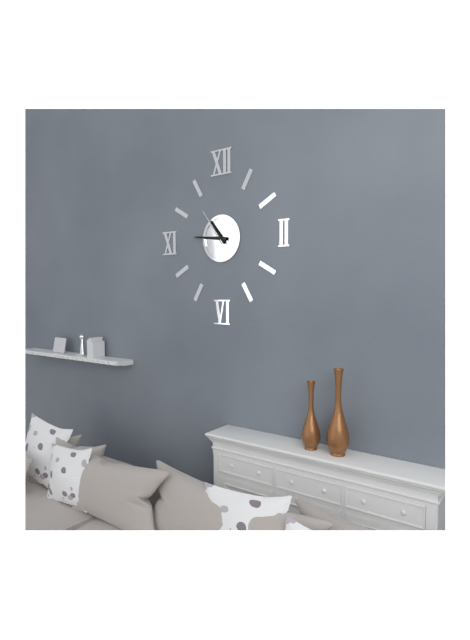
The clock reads {"hour": 10, "minute": 46}
